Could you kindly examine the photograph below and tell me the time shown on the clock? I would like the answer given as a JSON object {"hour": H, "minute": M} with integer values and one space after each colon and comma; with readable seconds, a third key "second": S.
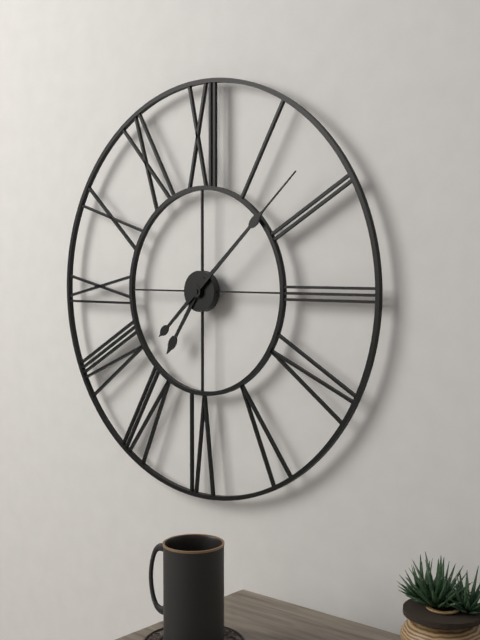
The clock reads {"hour": 7, "minute": 8}
